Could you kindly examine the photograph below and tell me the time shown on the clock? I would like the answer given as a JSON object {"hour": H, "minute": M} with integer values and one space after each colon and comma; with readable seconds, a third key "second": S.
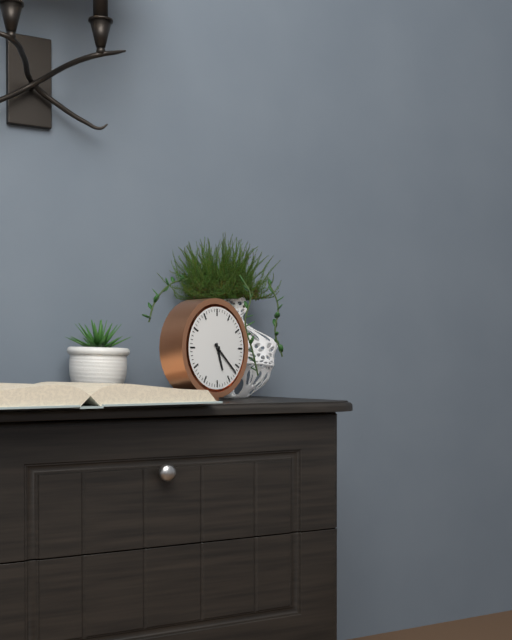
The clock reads {"hour": 5, "minute": 22}
